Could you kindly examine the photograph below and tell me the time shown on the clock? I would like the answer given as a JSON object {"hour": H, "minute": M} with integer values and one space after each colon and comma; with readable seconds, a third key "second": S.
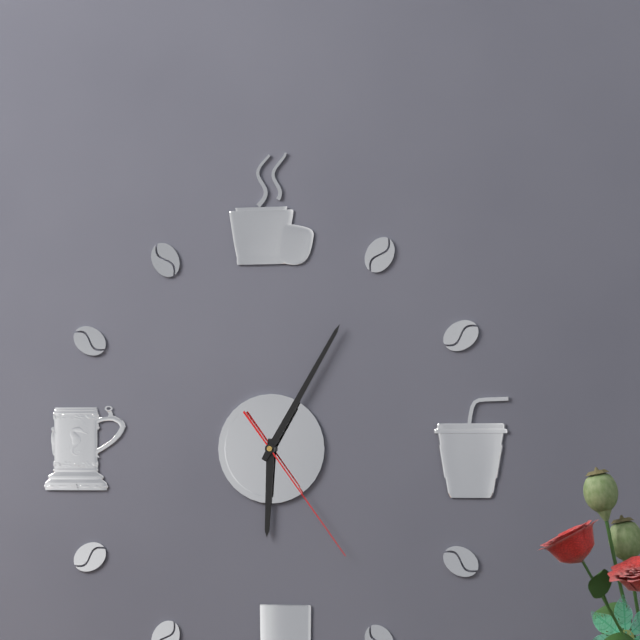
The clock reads {"hour": 6, "minute": 5, "second": 24}
